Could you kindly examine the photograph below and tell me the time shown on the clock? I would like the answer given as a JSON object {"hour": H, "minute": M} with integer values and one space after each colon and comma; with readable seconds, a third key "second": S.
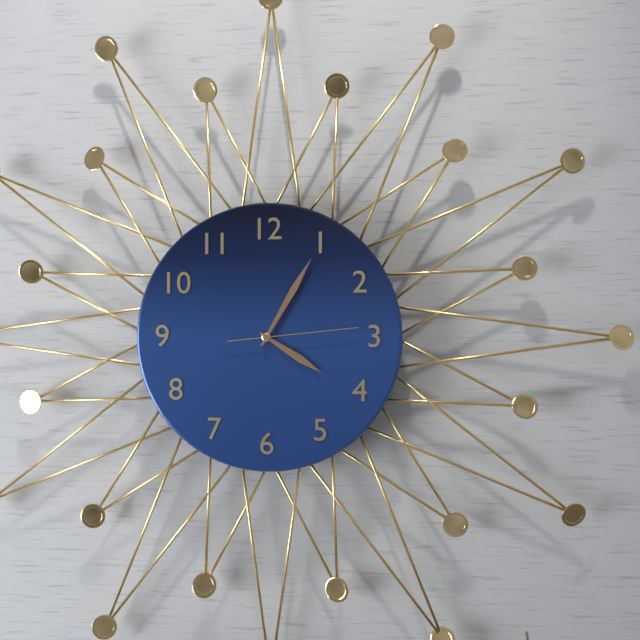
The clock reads {"hour": 4, "minute": 5, "second": 14}
